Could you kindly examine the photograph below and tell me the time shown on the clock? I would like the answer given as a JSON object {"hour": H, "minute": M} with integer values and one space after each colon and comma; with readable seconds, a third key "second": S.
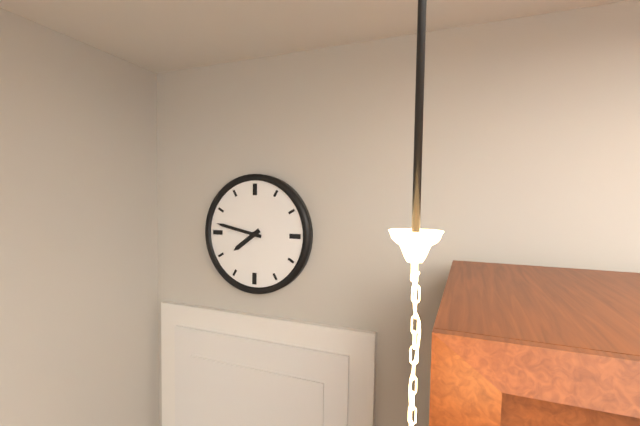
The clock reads {"hour": 7, "minute": 47}
